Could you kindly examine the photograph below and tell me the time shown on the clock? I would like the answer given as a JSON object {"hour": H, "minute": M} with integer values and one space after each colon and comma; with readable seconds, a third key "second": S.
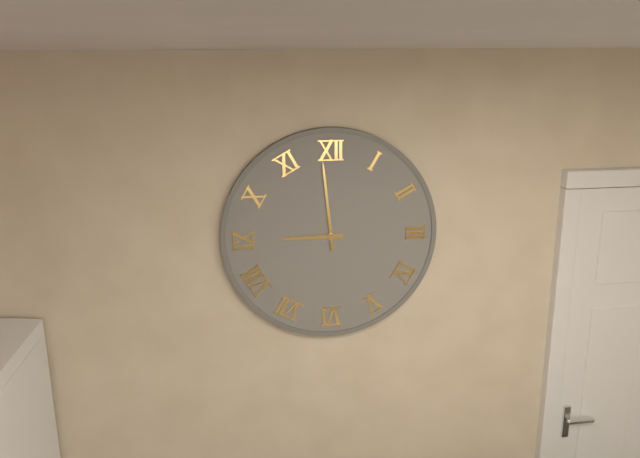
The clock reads {"hour": 8, "minute": 59}
